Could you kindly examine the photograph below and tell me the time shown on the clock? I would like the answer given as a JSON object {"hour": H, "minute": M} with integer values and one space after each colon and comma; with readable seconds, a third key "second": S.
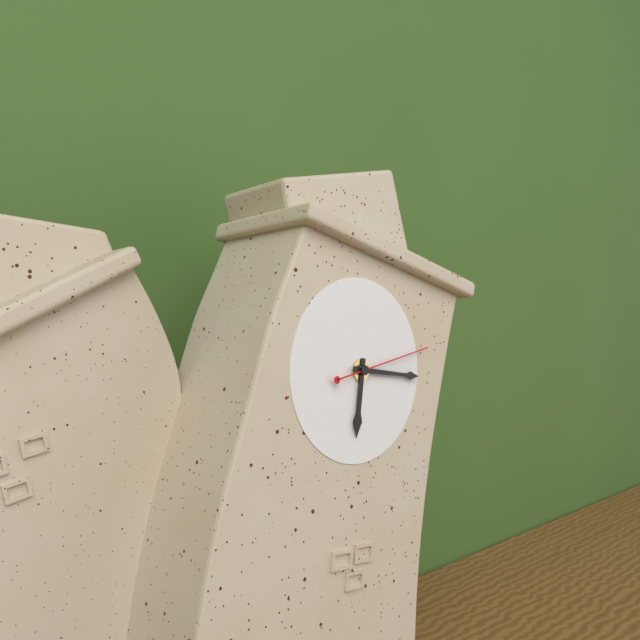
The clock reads {"hour": 6, "minute": 16, "second": 13}
